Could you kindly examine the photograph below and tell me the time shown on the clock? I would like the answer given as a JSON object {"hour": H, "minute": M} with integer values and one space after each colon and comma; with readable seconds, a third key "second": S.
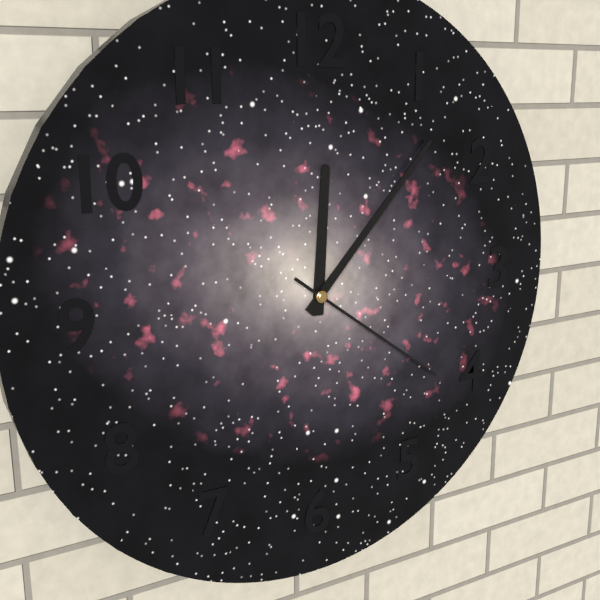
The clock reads {"hour": 12, "minute": 7, "second": 21}
